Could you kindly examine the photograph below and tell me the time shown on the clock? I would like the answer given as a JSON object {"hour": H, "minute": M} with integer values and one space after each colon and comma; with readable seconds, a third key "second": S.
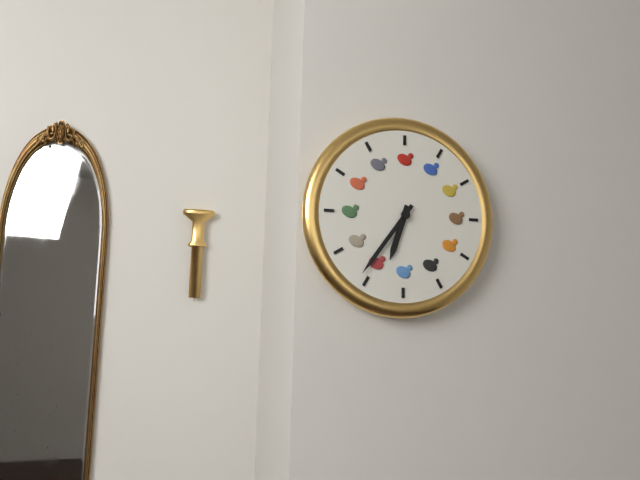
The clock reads {"hour": 6, "minute": 36}
